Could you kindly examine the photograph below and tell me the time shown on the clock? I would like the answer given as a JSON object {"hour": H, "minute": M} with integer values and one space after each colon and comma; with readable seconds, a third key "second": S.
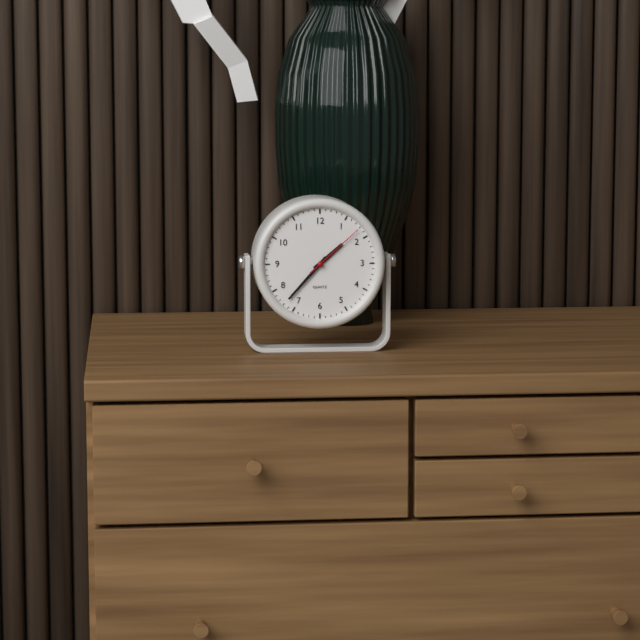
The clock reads {"hour": 1, "minute": 37, "second": 8}
